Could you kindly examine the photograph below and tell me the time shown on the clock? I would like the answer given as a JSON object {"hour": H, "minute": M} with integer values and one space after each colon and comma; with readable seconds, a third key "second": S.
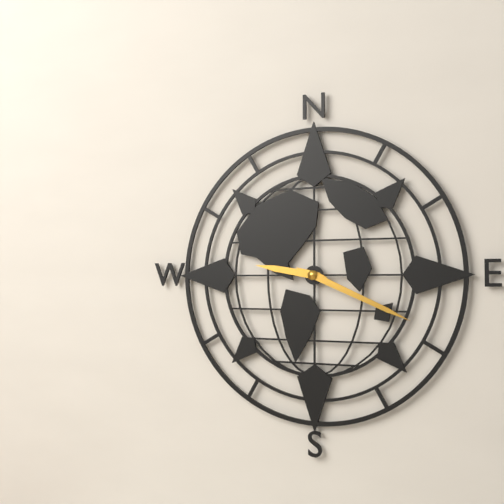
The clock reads {"hour": 9, "minute": 19}
